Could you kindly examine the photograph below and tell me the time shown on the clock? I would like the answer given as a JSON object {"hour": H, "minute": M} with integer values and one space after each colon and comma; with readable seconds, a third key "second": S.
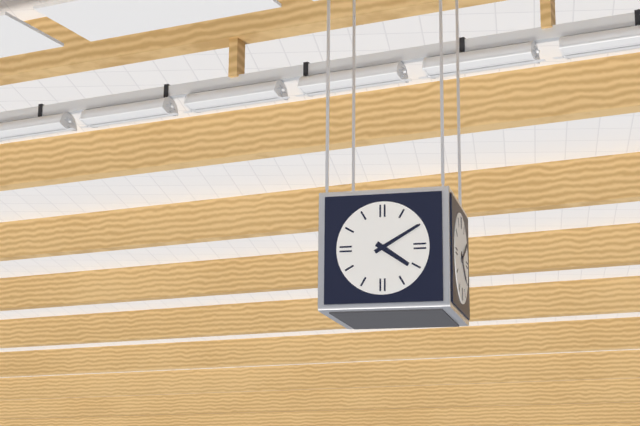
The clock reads {"hour": 4, "minute": 10}
